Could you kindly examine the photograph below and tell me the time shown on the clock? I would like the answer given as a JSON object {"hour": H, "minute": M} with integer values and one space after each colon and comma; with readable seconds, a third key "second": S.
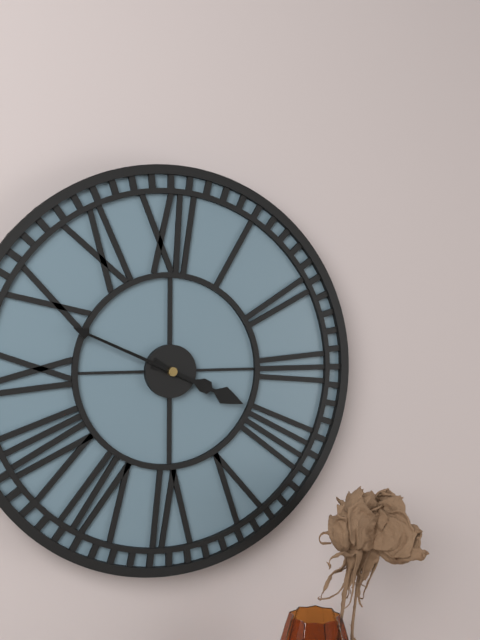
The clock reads {"hour": 3, "minute": 49}
